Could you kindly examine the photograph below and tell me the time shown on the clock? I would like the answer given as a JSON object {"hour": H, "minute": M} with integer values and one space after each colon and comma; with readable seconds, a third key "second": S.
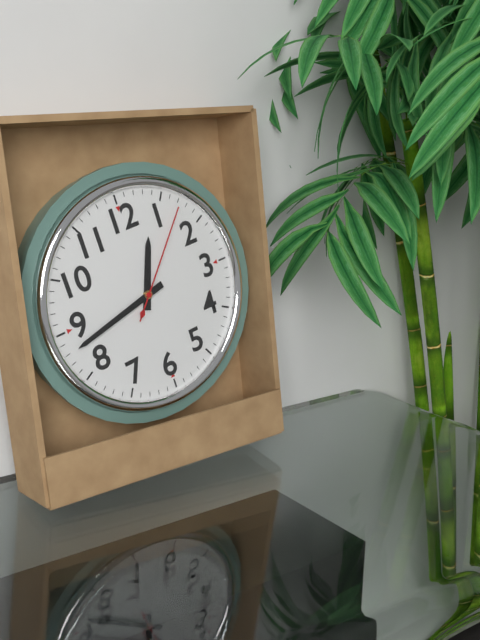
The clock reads {"hour": 12, "minute": 43, "second": 7}
